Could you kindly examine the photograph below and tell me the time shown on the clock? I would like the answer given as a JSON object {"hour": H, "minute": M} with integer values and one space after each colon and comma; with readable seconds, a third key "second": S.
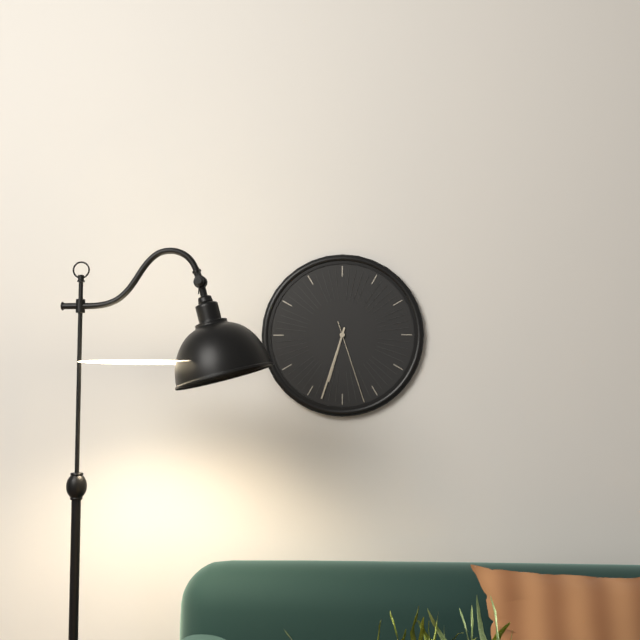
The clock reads {"hour": 6, "minute": 33, "second": 27}
